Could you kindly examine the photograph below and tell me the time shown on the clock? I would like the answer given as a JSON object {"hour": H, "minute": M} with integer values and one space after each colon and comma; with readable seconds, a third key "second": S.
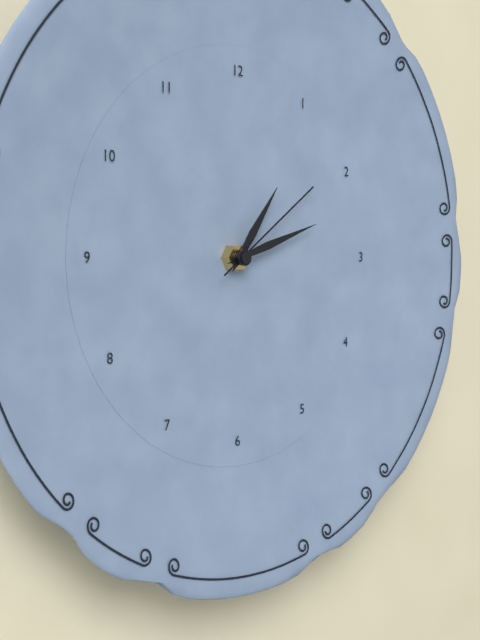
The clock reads {"hour": 1, "minute": 12, "second": 9}
